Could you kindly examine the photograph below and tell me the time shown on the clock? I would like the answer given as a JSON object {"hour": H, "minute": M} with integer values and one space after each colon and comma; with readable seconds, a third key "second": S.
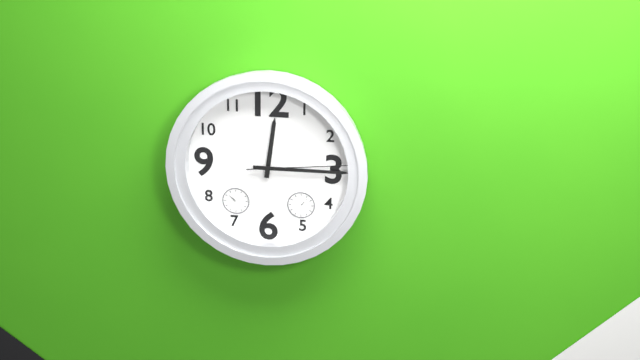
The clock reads {"hour": 12, "minute": 15, "second": 14}
